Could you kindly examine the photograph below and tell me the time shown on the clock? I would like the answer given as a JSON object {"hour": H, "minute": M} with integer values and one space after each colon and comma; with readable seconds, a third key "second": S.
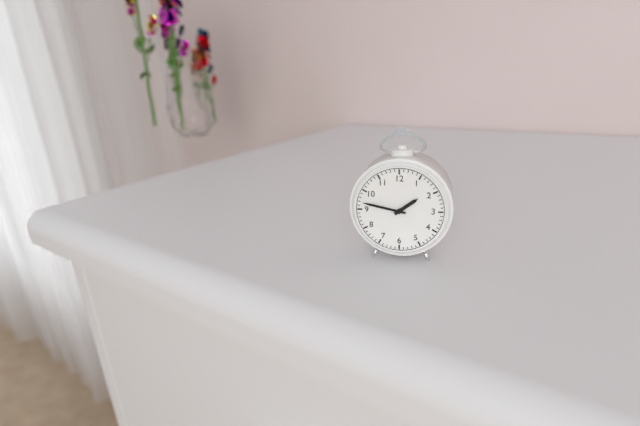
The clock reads {"hour": 1, "minute": 47}
